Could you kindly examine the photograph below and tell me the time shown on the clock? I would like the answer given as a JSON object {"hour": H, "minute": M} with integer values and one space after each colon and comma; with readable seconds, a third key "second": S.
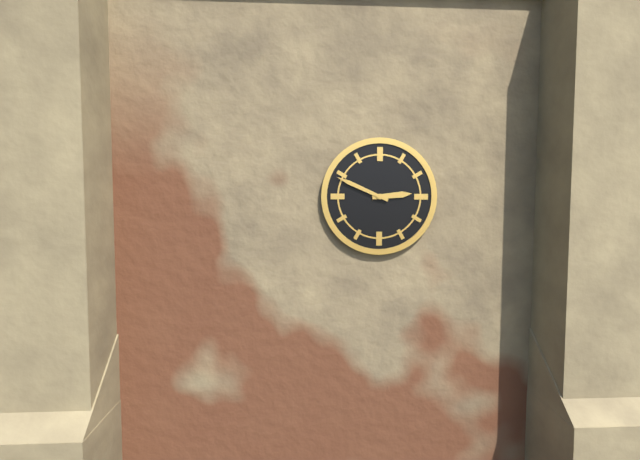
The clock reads {"hour": 2, "minute": 49}
